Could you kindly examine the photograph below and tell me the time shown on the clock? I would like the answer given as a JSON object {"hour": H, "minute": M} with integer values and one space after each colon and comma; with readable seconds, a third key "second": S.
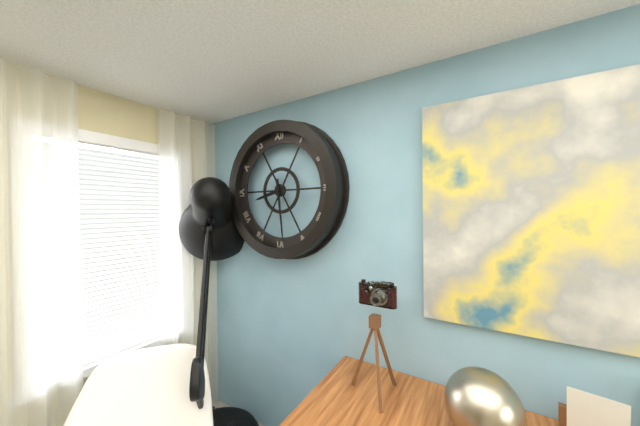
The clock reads {"hour": 8, "minute": 29}
